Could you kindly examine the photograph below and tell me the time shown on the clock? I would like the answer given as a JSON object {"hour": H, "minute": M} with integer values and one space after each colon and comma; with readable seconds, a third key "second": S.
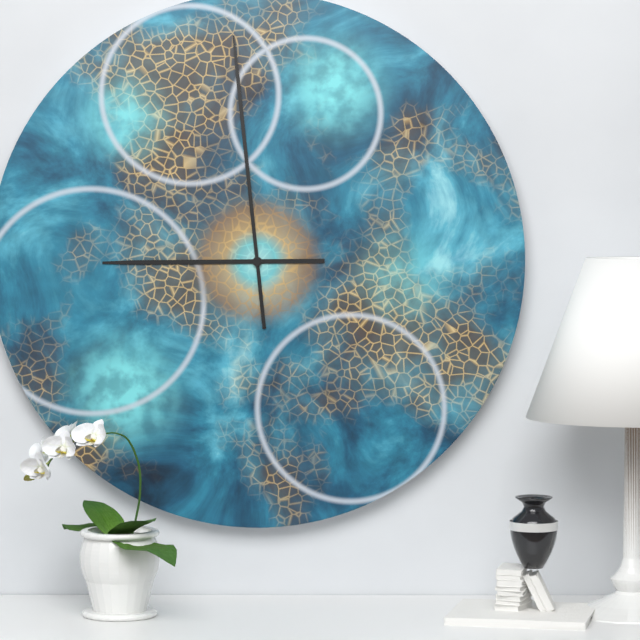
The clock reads {"hour": 8, "minute": 59}
